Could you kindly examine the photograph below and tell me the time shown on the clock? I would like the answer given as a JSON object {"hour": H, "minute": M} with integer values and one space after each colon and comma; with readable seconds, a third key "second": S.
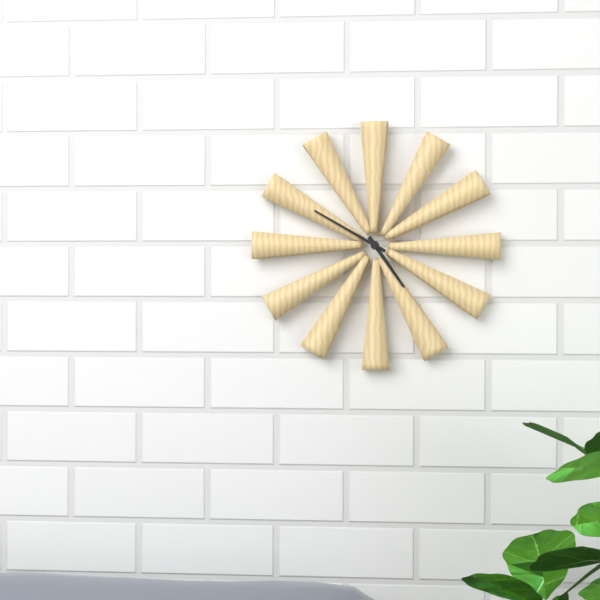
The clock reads {"hour": 4, "minute": 50}
